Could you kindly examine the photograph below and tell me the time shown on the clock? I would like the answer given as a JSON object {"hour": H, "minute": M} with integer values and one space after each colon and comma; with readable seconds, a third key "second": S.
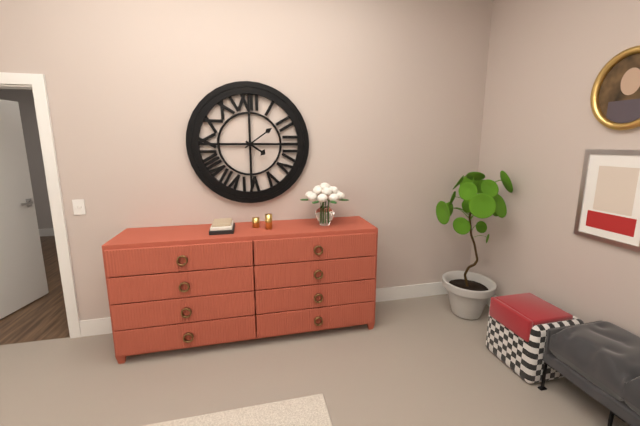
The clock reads {"hour": 4, "minute": 9}
